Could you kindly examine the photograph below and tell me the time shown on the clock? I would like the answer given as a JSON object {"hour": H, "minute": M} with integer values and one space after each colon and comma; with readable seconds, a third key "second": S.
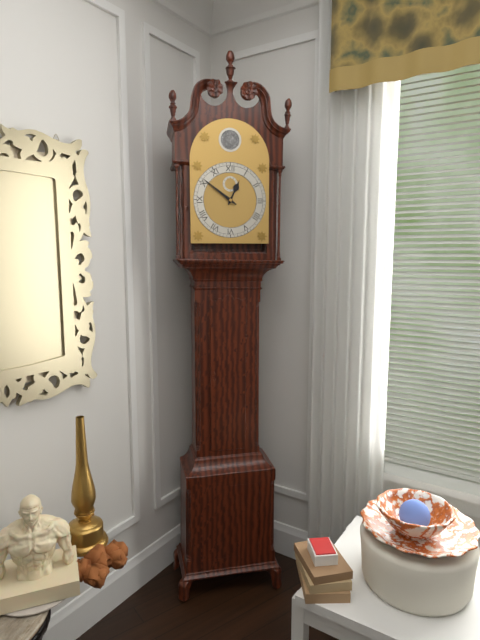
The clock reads {"hour": 12, "minute": 51}
